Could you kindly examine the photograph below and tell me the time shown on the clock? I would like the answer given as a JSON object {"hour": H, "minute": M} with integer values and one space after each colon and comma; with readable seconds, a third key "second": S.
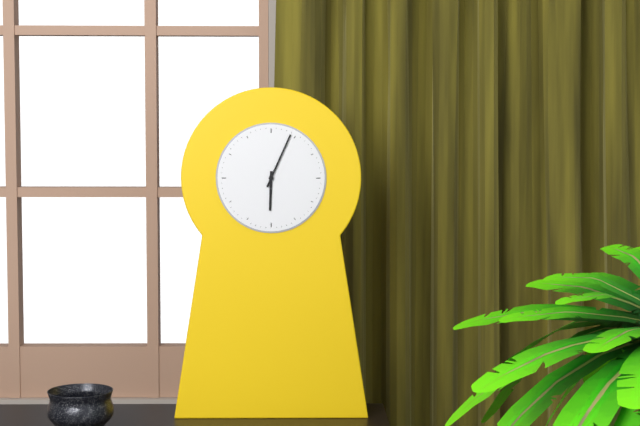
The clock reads {"hour": 6, "minute": 4}
